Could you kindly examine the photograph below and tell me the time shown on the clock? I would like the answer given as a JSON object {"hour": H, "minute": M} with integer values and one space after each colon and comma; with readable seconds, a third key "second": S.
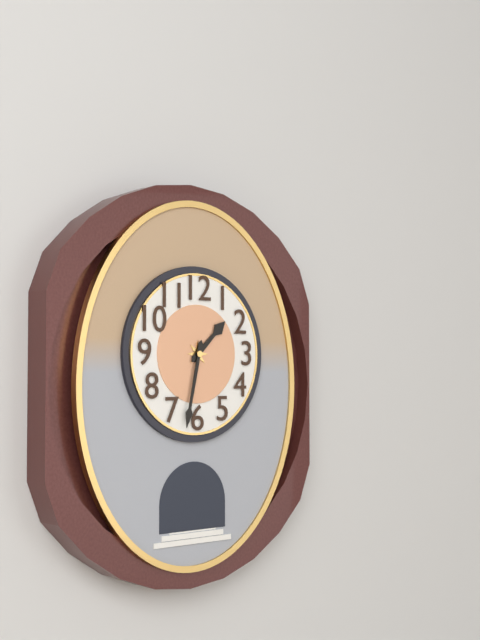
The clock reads {"hour": 1, "minute": 32}
